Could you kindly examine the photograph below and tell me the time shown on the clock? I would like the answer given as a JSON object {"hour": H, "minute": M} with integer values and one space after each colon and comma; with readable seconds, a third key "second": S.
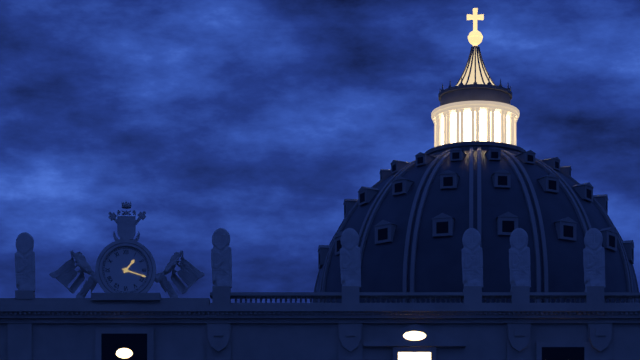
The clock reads {"hour": 1, "minute": 18}
